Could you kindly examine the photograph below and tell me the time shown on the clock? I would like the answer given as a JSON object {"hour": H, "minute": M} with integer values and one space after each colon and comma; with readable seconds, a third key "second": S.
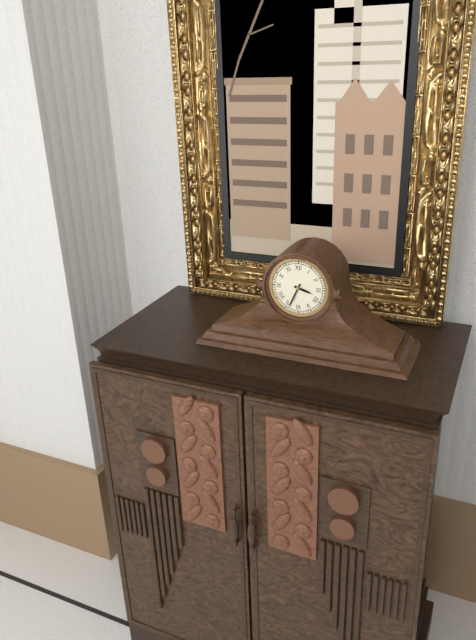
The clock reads {"hour": 3, "minute": 34}
